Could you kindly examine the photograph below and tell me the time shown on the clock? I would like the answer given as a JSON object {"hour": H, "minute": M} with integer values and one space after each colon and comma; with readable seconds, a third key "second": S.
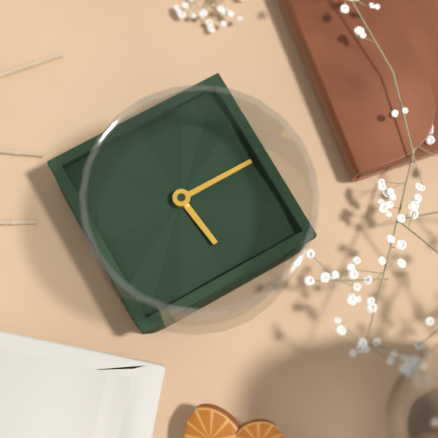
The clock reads {"hour": 11, "minute": 45}
